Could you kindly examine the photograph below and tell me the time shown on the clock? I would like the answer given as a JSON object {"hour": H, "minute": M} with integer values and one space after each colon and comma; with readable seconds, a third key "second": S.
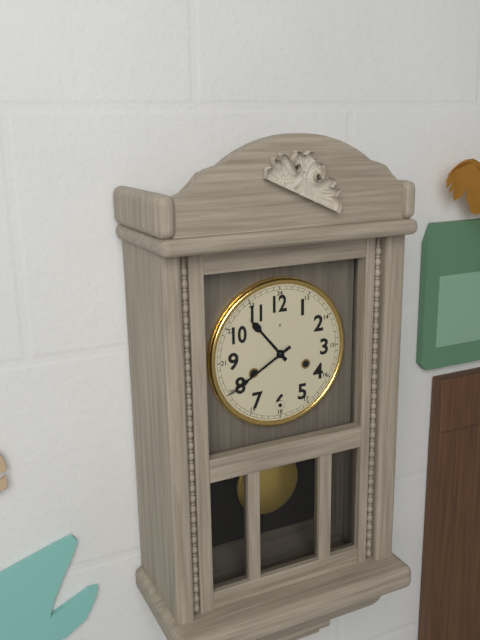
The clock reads {"hour": 10, "minute": 40}
